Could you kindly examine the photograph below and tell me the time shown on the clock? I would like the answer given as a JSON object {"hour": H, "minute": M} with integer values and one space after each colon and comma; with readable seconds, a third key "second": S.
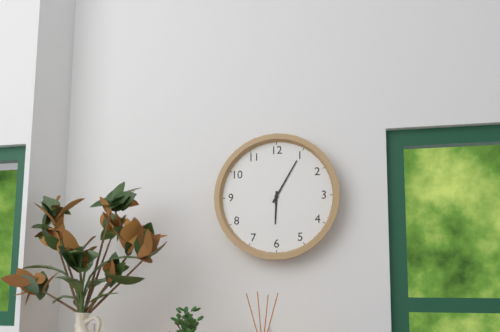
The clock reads {"hour": 6, "minute": 5}
